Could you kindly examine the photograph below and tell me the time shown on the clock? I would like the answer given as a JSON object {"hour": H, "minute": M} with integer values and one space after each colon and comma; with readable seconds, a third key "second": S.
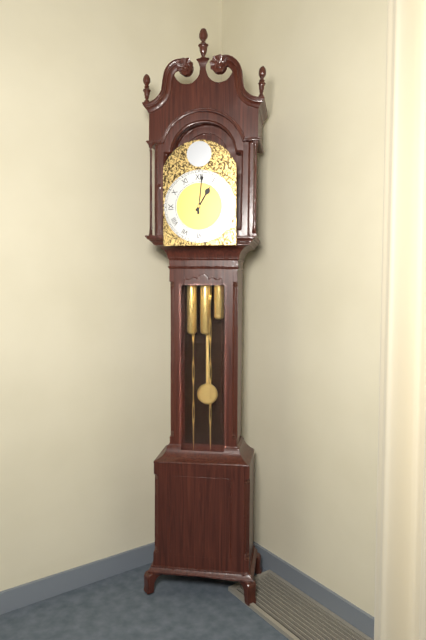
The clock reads {"hour": 1, "minute": 1}
